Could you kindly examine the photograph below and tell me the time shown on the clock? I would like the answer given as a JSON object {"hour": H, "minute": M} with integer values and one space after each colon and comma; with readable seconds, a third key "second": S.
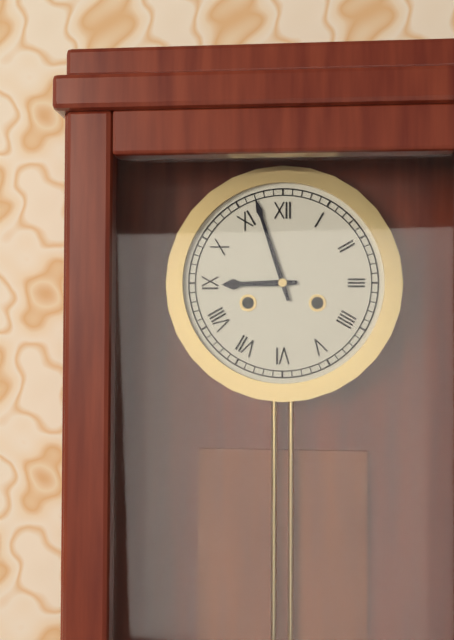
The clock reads {"hour": 8, "minute": 57}
